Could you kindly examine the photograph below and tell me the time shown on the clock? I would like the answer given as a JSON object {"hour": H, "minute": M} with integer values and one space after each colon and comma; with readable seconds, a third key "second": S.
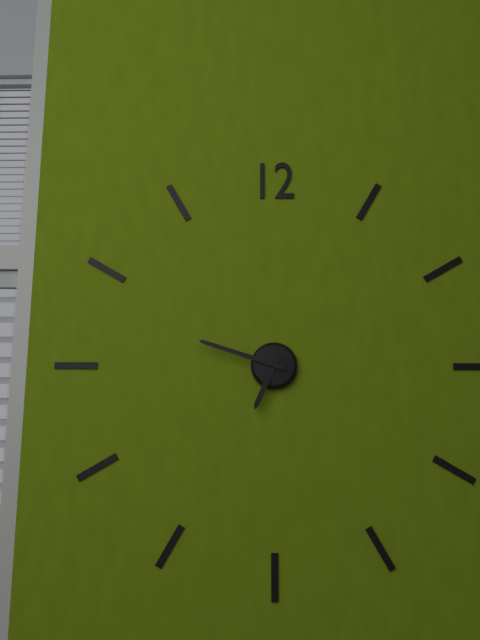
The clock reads {"hour": 6, "minute": 48}
